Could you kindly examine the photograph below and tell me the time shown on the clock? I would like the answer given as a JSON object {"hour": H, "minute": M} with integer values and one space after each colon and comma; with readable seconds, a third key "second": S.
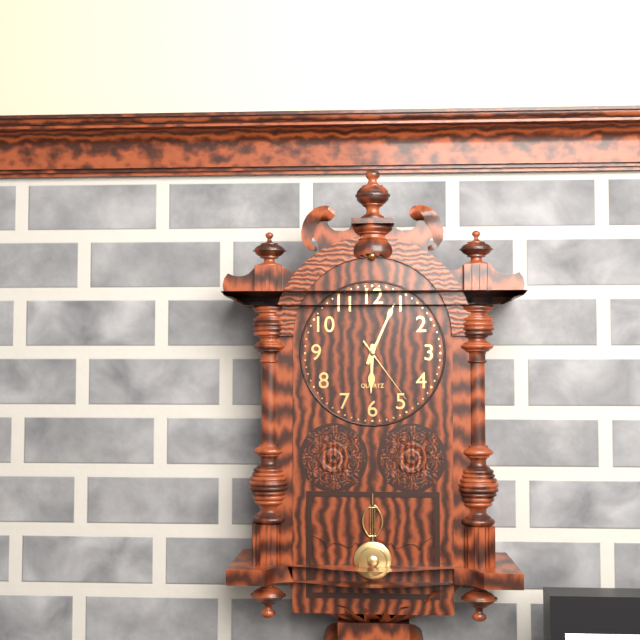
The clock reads {"hour": 6, "minute": 4, "second": 24}
